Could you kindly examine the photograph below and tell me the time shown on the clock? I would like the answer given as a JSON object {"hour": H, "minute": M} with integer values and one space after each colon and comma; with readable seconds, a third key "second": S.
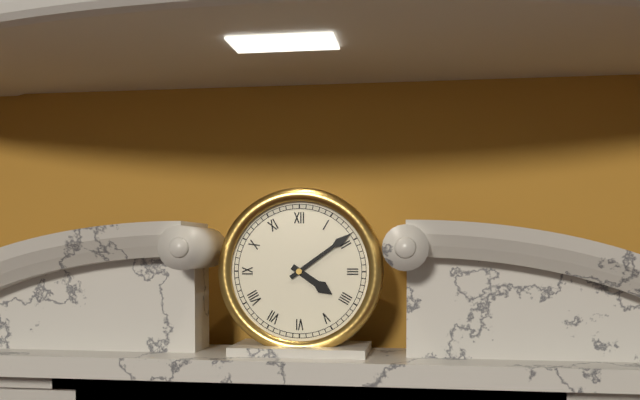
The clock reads {"hour": 4, "minute": 9}
